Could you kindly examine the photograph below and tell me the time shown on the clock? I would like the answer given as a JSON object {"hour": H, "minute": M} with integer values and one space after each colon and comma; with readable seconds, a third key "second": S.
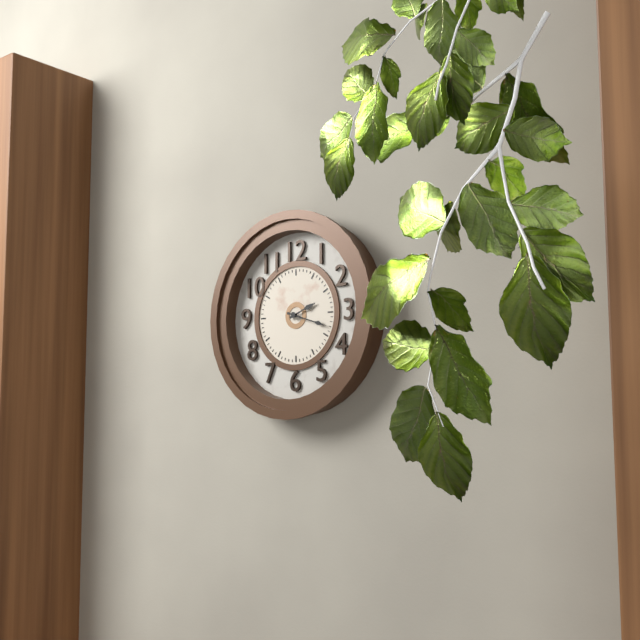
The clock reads {"hour": 2, "minute": 18}
